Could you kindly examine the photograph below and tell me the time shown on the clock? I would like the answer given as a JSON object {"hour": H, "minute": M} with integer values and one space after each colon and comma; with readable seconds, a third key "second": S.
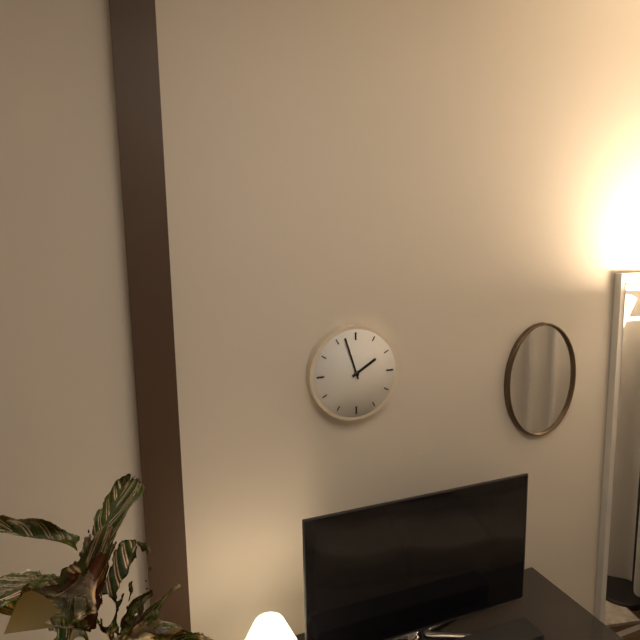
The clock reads {"hour": 1, "minute": 57}
